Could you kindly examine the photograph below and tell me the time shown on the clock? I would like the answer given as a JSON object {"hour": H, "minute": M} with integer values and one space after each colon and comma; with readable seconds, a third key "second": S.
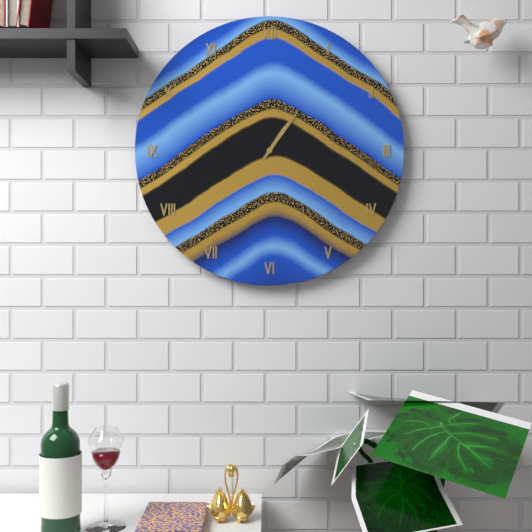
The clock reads {"hour": 1, "minute": 6}
